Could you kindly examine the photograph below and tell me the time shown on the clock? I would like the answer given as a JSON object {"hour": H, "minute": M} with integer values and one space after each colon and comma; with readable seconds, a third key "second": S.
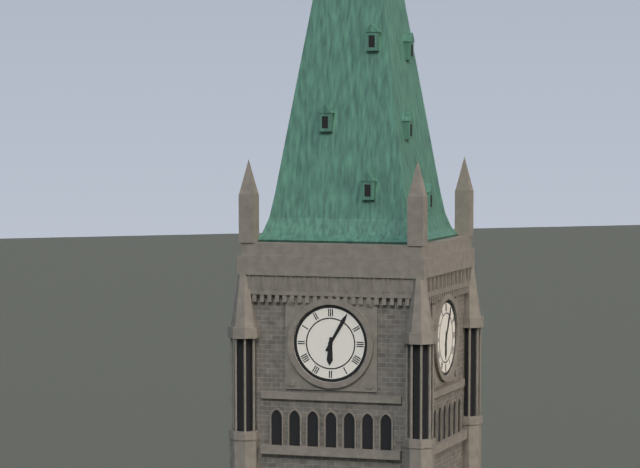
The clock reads {"hour": 6, "minute": 5}
